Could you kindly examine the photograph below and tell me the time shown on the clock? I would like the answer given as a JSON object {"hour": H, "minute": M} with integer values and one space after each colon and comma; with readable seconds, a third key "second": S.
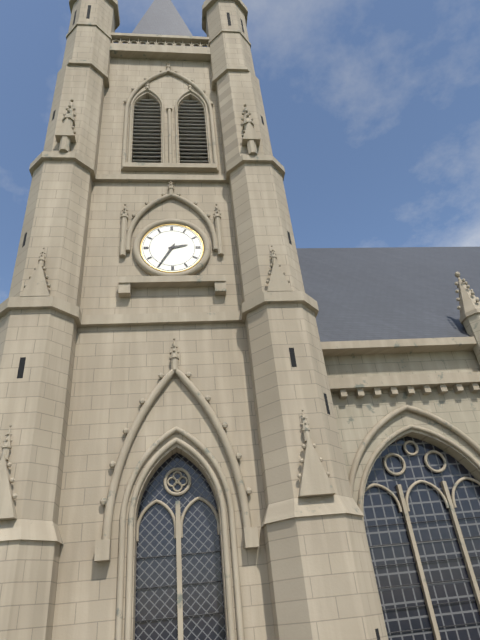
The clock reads {"hour": 2, "minute": 35}
